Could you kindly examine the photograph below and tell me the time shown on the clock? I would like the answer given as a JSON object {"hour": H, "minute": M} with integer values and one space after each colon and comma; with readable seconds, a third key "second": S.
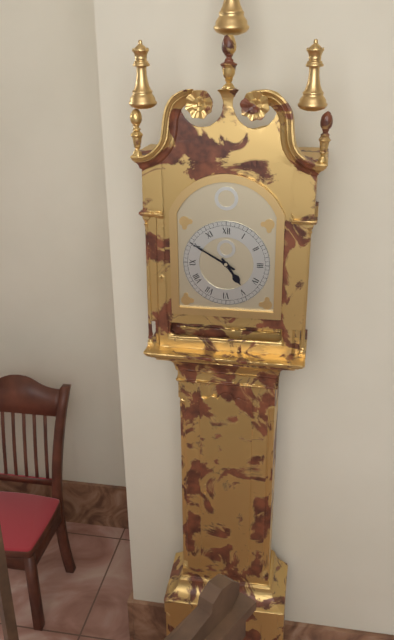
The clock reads {"hour": 4, "minute": 50}
